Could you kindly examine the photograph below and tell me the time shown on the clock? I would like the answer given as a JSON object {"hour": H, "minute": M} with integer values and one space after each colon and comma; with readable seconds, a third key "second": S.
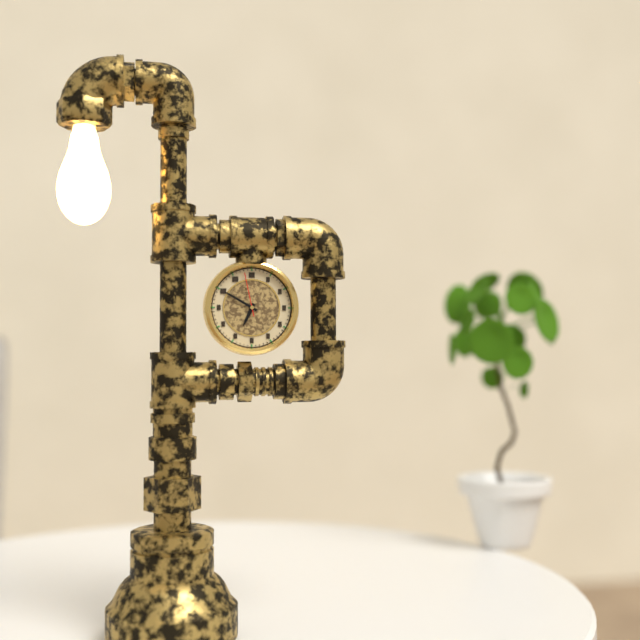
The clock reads {"hour": 6, "minute": 50}
